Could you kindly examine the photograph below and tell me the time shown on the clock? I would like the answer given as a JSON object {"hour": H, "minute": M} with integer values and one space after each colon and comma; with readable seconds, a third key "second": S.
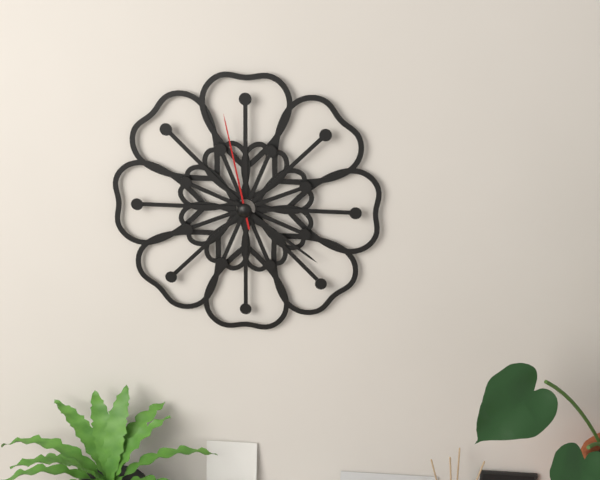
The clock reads {"hour": 4, "minute": 21, "second": 58}
